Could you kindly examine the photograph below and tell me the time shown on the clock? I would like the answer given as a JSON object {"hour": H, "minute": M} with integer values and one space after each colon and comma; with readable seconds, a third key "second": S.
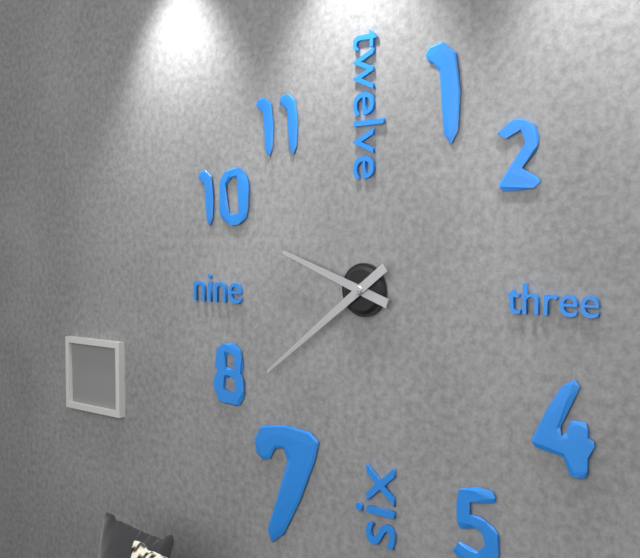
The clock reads {"hour": 9, "minute": 39}
